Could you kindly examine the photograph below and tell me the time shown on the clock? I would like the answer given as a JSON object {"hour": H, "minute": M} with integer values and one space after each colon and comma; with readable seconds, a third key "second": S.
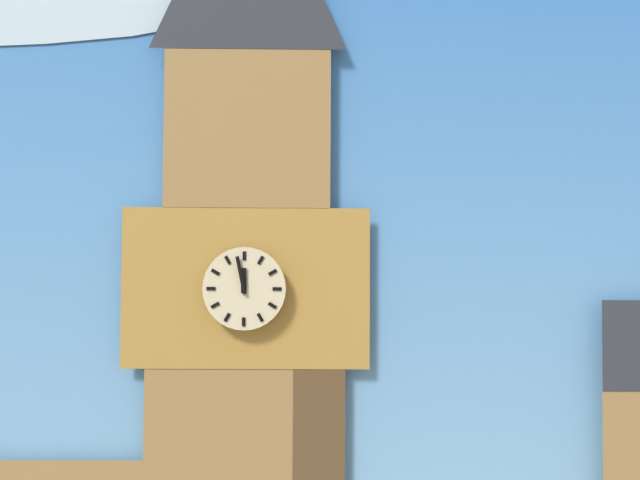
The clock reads {"hour": 11, "minute": 58}
